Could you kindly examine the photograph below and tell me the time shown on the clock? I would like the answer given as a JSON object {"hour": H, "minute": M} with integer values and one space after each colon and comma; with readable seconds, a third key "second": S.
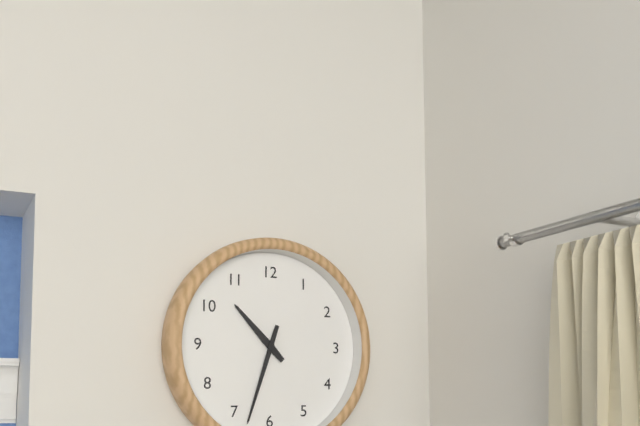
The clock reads {"hour": 10, "minute": 33}
